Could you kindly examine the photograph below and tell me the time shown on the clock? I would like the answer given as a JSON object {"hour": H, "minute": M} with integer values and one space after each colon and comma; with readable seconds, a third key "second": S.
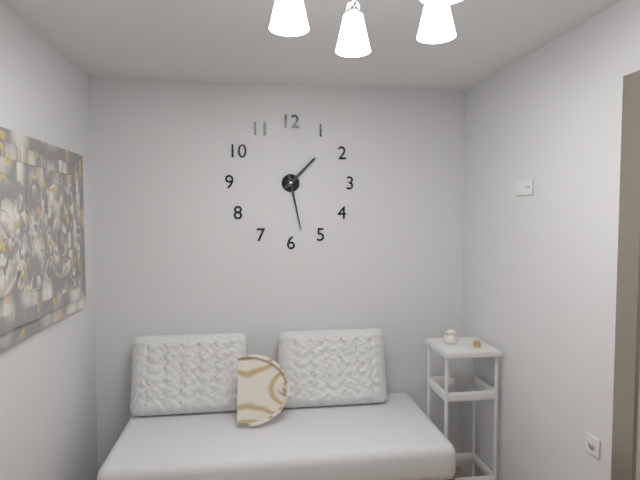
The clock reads {"hour": 1, "minute": 28}
